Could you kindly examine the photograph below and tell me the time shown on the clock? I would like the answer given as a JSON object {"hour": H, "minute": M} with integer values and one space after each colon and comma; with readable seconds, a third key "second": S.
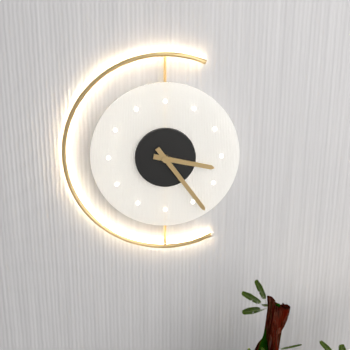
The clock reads {"hour": 3, "minute": 24}
